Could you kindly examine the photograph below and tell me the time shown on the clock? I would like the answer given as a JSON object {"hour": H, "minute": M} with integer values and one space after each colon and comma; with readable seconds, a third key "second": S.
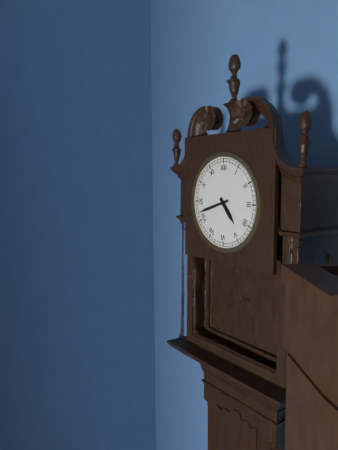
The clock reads {"hour": 4, "minute": 42}
